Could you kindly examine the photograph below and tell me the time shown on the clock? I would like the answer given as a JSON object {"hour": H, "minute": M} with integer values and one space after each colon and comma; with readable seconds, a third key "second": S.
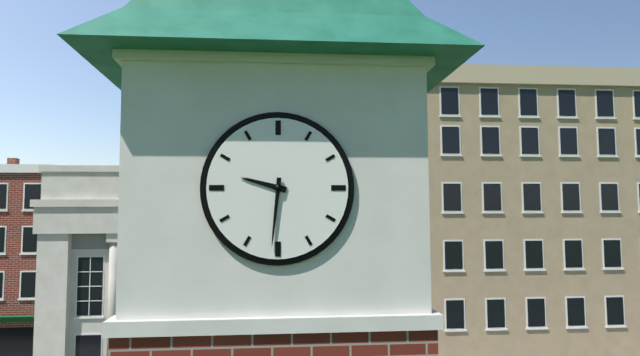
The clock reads {"hour": 9, "minute": 31}
